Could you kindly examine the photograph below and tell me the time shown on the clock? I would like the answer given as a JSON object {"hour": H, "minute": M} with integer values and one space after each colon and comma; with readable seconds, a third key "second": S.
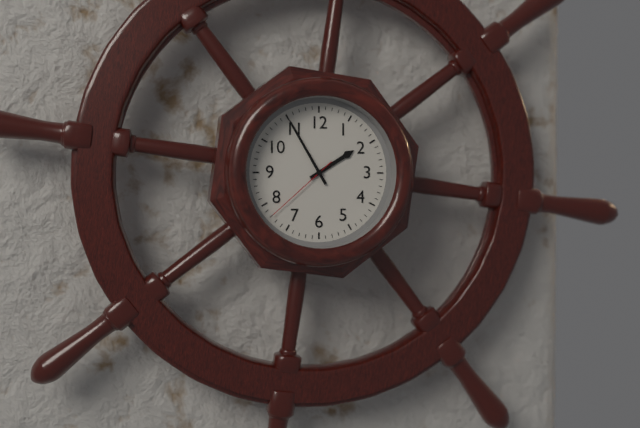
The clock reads {"hour": 1, "minute": 55, "second": 38}
